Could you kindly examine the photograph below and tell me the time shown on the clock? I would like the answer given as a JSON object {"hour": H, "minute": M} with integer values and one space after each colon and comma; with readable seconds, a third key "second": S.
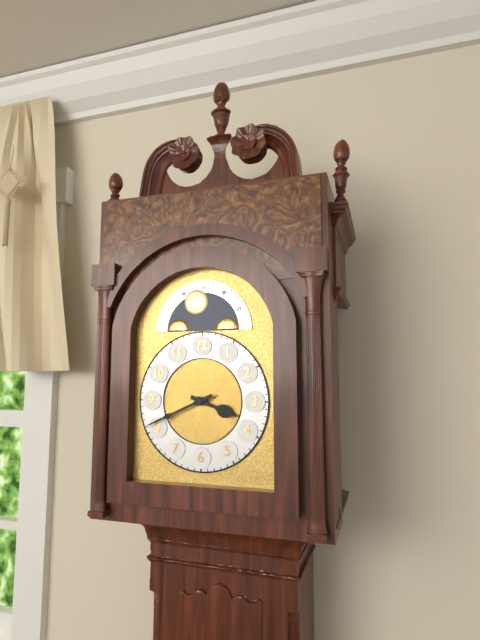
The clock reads {"hour": 3, "minute": 41}
